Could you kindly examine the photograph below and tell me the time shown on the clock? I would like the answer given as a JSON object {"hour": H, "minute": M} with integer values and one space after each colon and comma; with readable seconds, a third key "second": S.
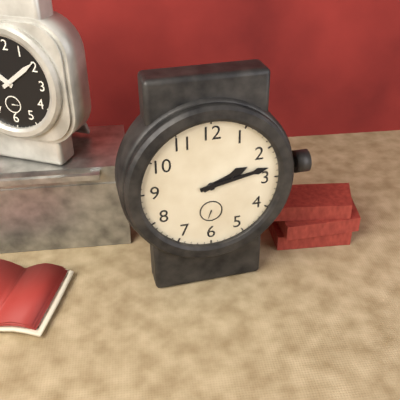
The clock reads {"hour": 2, "minute": 13}
